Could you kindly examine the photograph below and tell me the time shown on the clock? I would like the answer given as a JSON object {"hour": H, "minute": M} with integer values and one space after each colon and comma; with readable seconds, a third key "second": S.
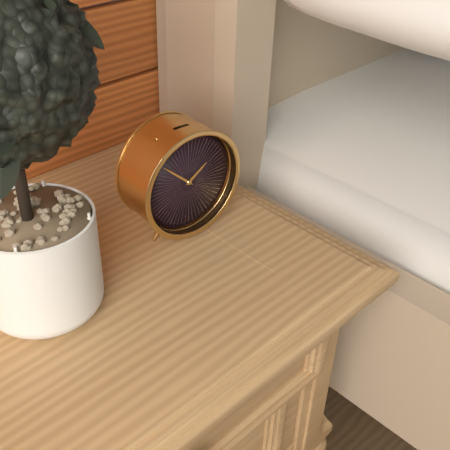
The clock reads {"hour": 1, "minute": 52}
